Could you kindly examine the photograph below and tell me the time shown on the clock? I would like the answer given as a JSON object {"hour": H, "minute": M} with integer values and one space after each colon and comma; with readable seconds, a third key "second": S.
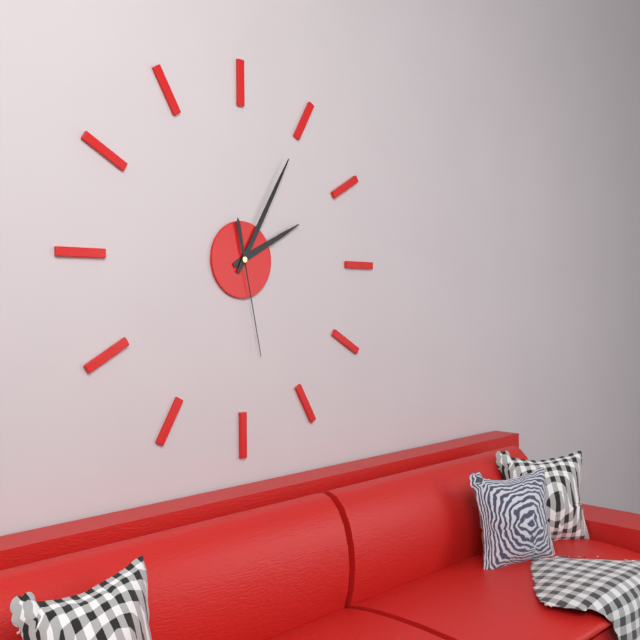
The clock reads {"hour": 2, "minute": 5, "second": 28}
